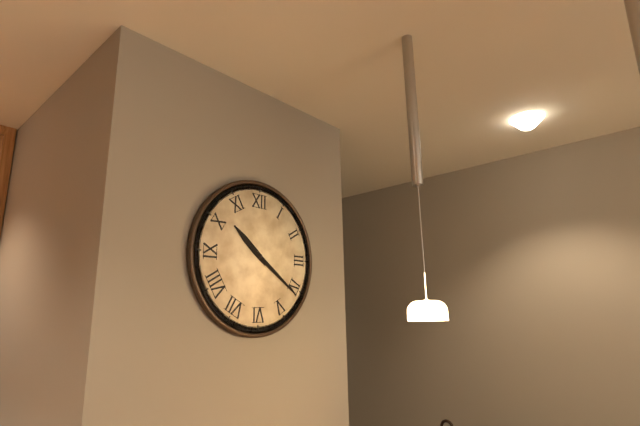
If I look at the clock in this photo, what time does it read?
10:21
